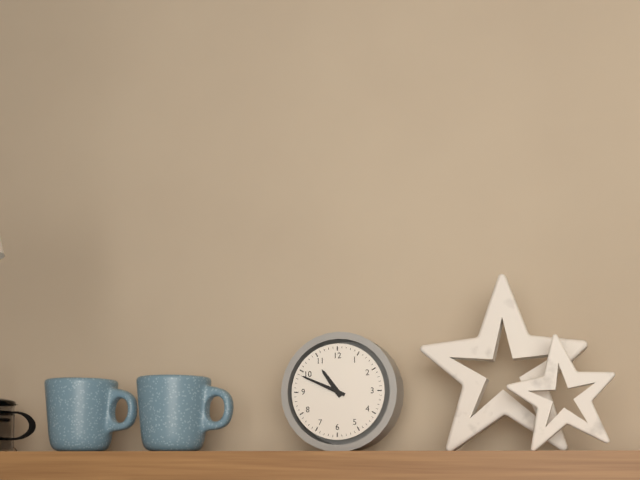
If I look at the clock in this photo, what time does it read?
10:49
